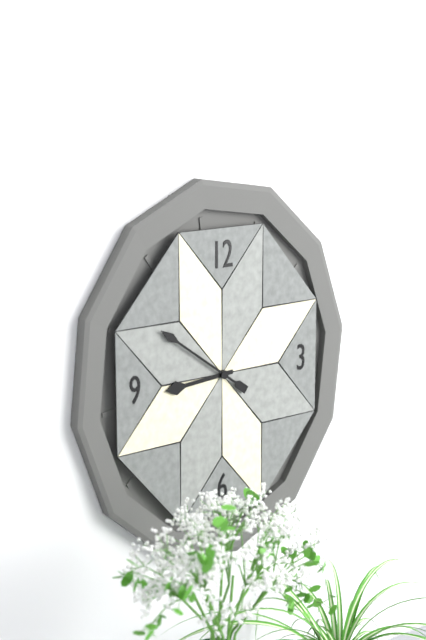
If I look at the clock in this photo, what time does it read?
8:51
